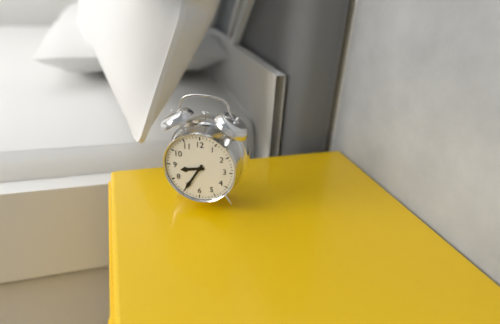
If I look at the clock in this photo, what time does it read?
8:35
